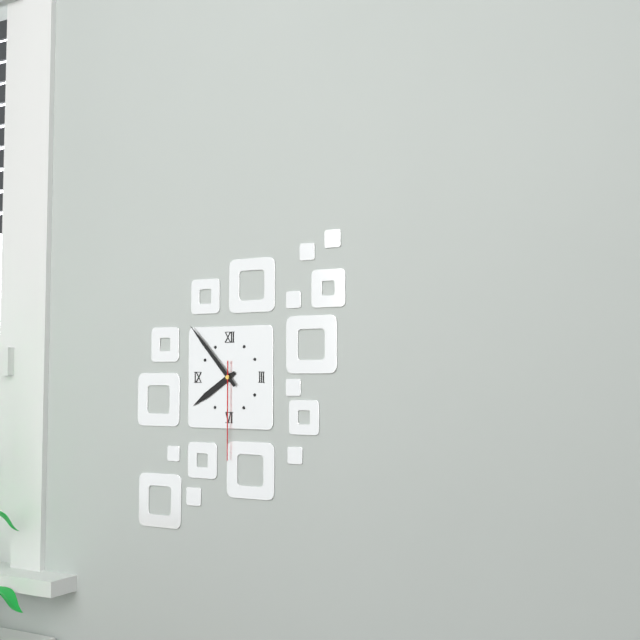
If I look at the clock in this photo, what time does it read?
7:53:30
